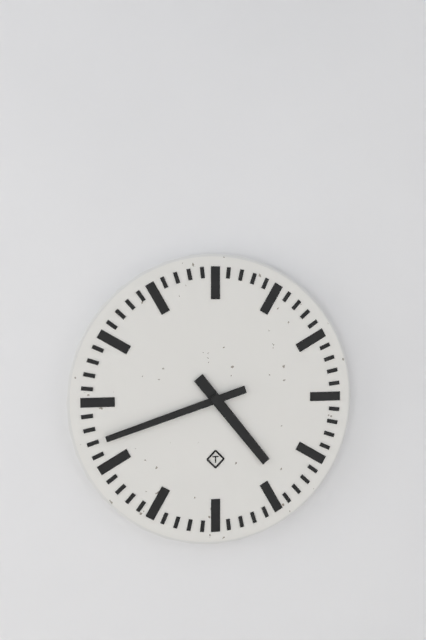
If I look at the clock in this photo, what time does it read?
4:42
